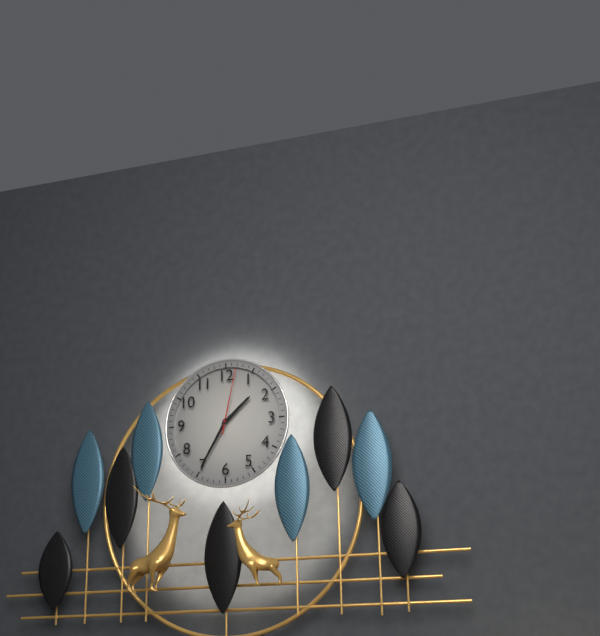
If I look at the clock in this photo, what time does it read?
1:35:02
